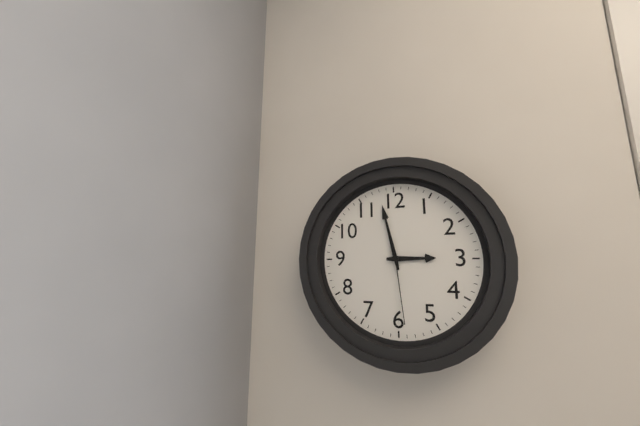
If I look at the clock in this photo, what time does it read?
2:58:29
